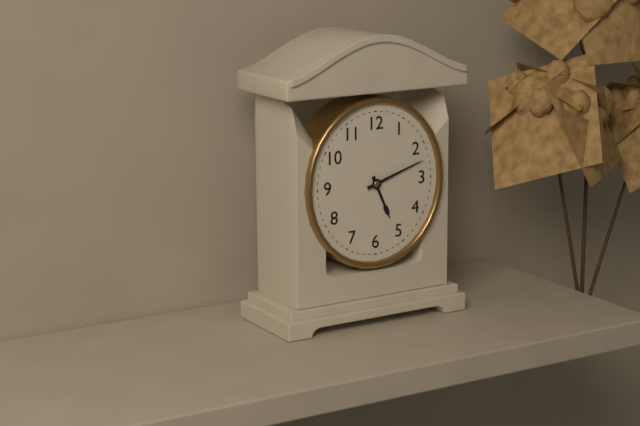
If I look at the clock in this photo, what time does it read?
5:12
